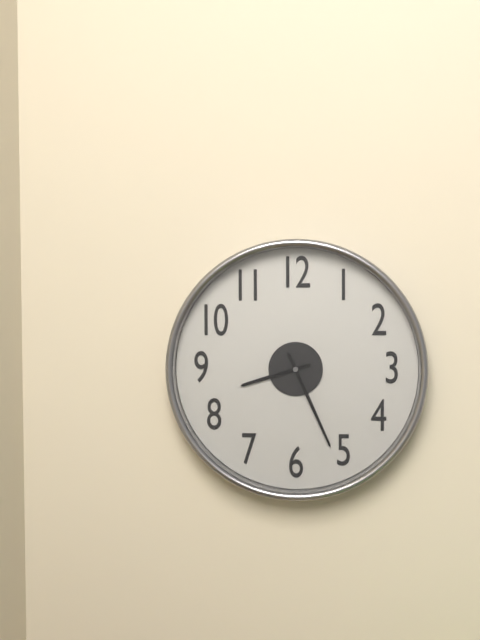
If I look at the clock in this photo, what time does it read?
8:26
